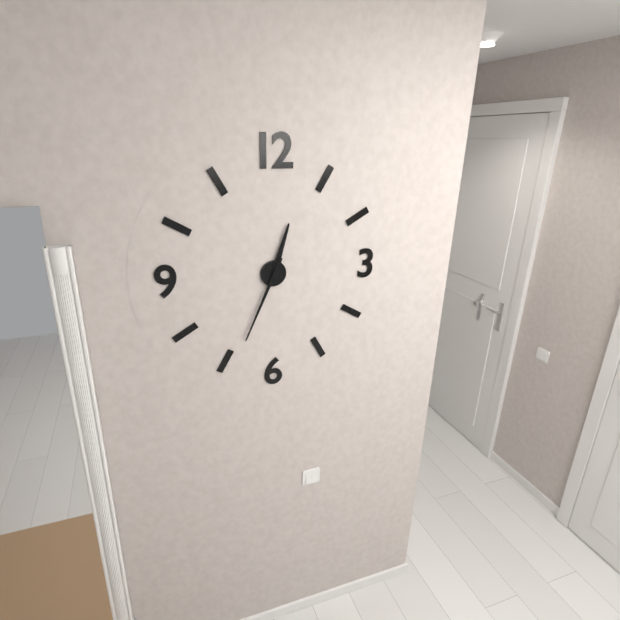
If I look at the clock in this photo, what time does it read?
12:34
